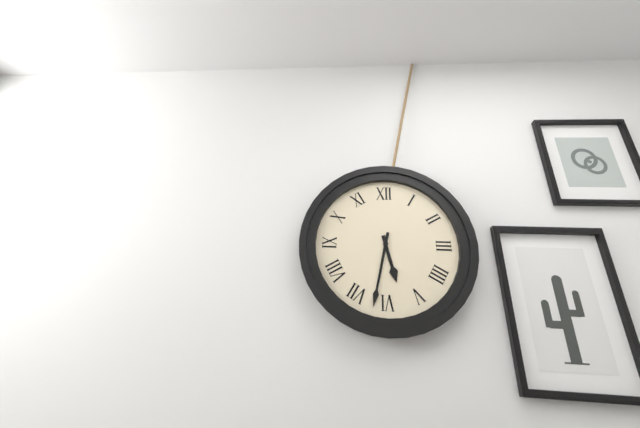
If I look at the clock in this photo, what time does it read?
5:32
